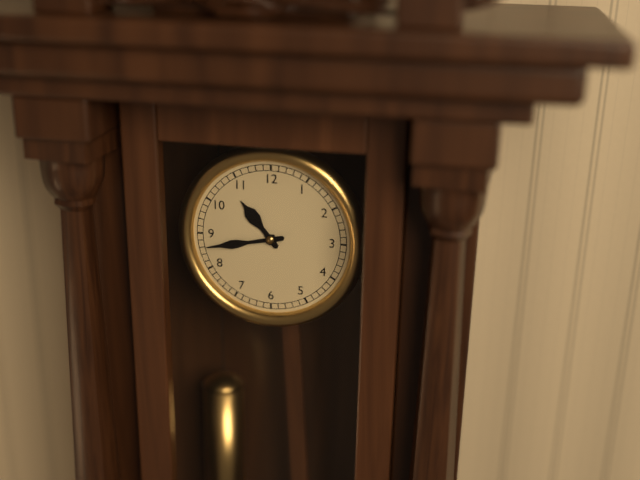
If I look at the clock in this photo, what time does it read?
10:43
